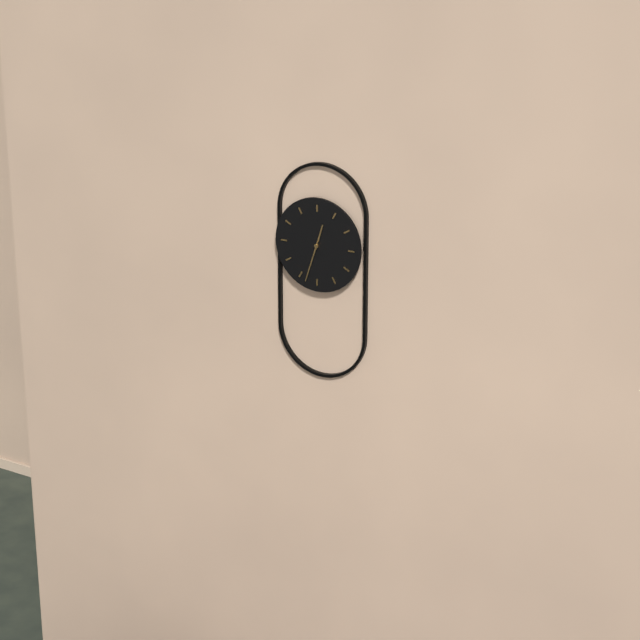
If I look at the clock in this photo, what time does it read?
12:33
